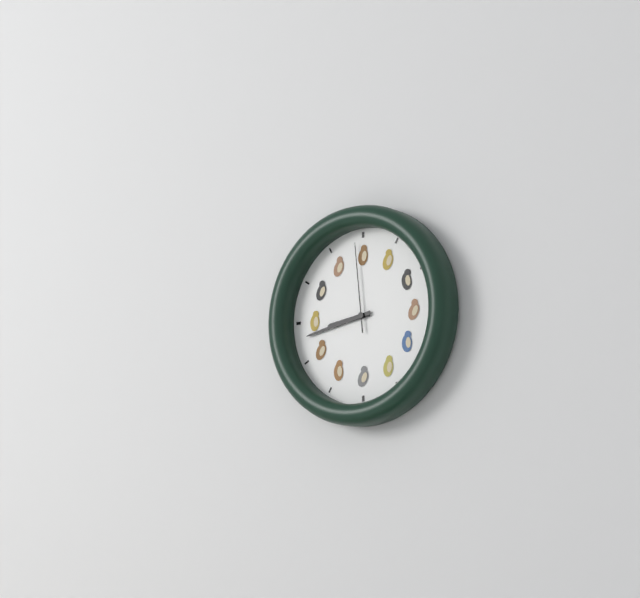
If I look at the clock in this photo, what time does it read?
8:43:59
